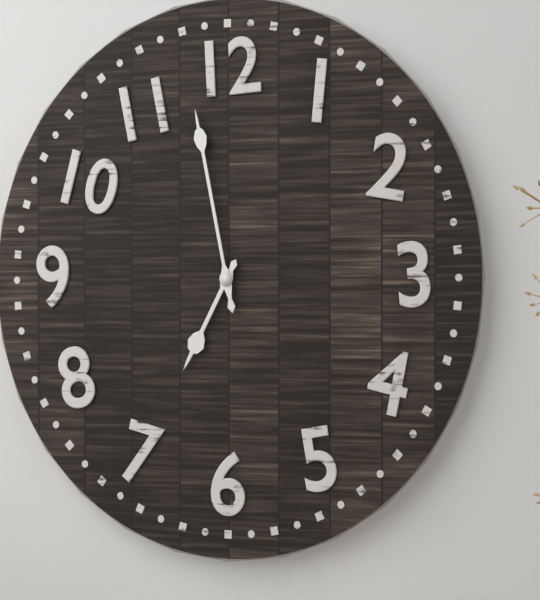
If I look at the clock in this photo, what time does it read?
6:58
